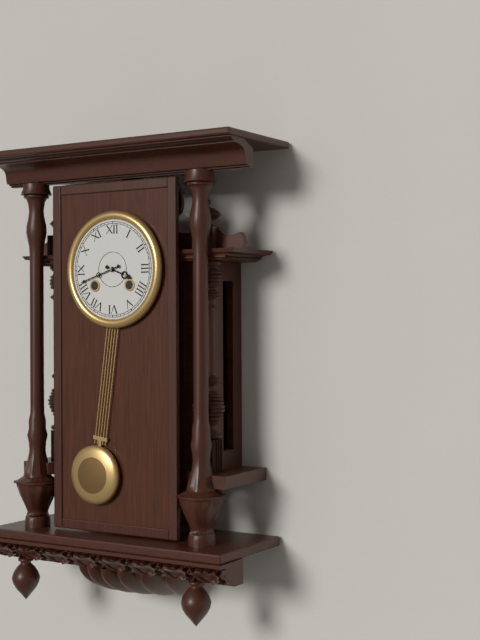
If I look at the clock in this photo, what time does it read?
3:42
